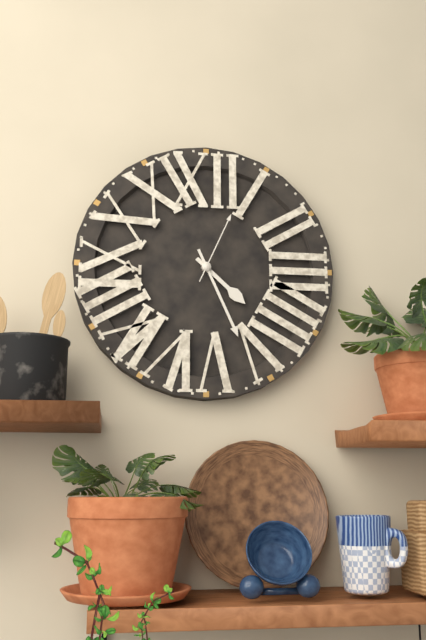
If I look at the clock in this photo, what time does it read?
4:26:04
